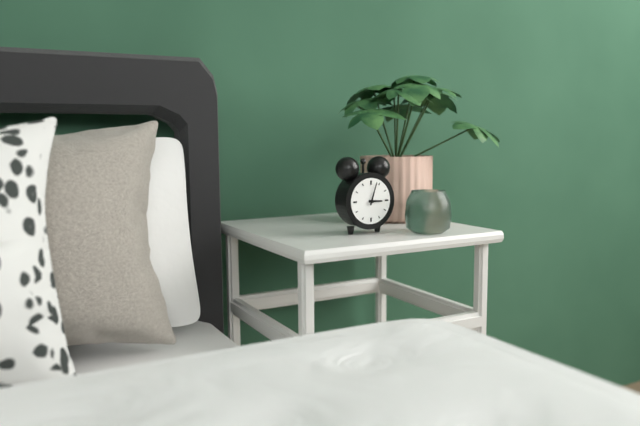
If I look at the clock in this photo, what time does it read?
3:03
